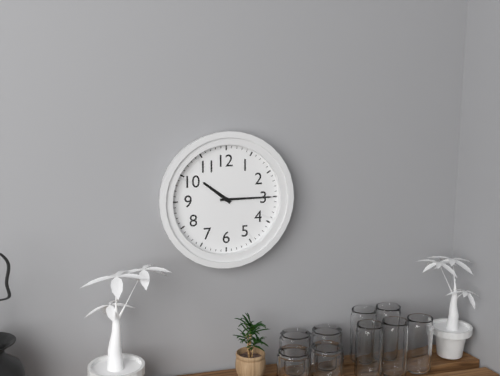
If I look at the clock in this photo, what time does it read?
10:15
